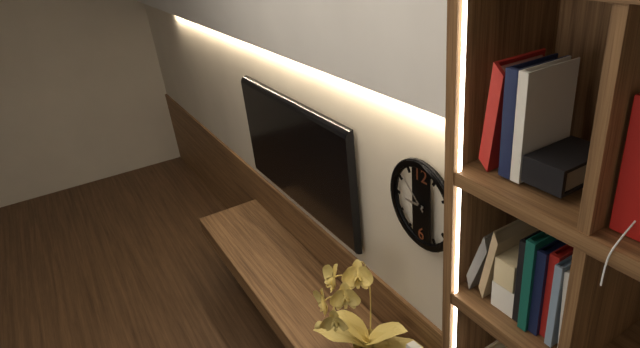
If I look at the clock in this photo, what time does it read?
8:52
